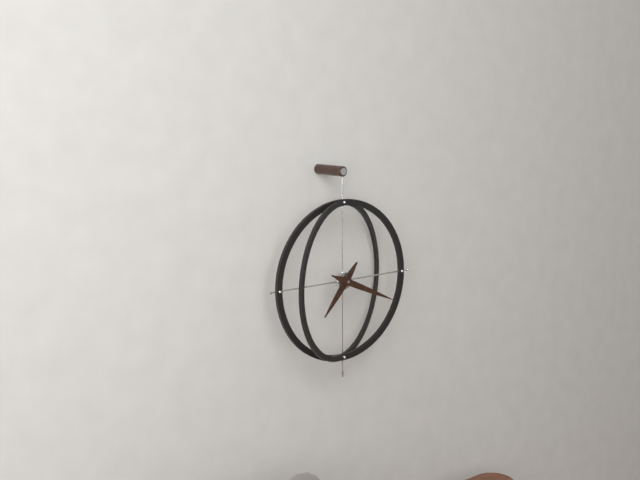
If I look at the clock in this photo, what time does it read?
7:19
